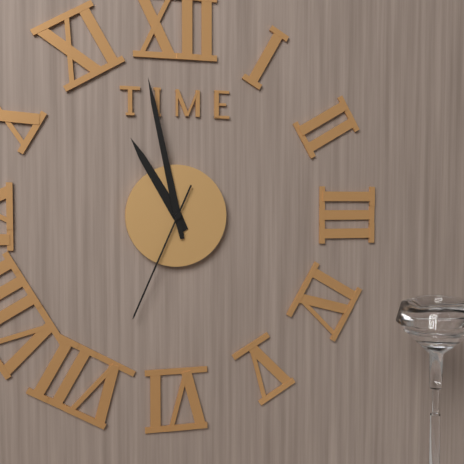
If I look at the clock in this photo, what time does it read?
10:58:34
